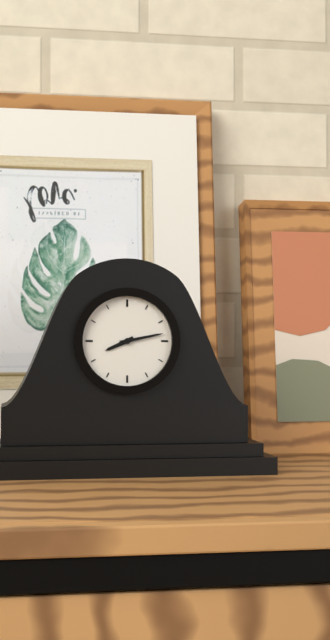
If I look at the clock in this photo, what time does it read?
8:13
